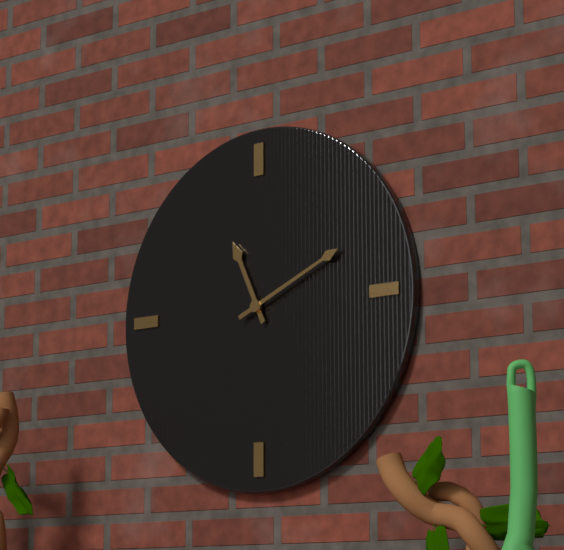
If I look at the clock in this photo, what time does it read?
11:11
